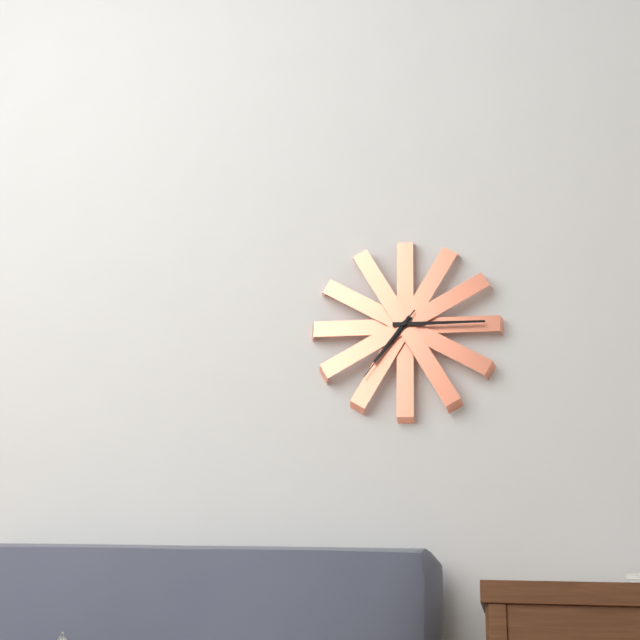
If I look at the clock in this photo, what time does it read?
7:15:36
